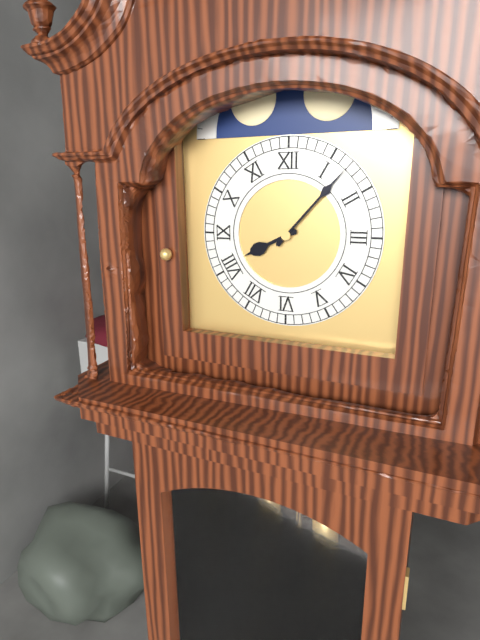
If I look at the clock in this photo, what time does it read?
8:07
